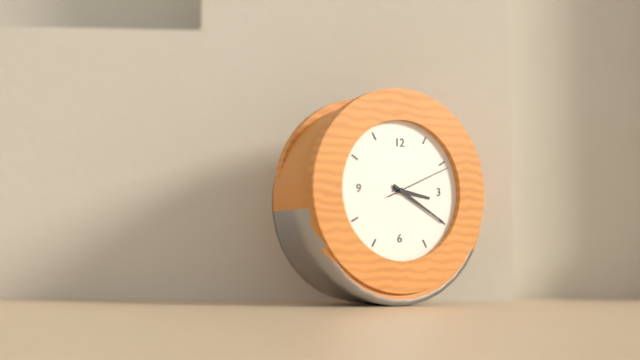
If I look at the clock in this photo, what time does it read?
3:20:11
